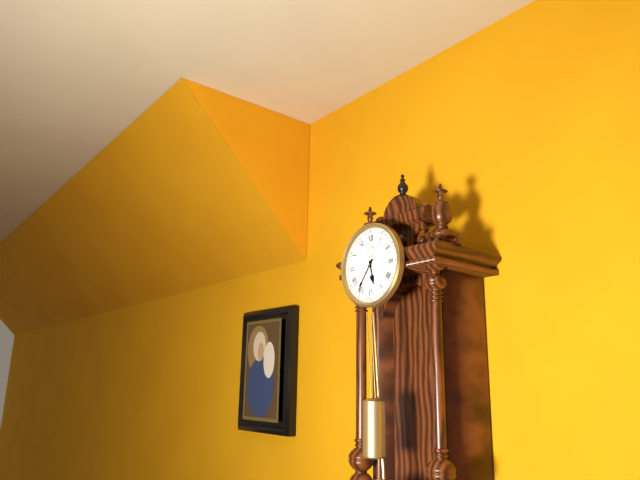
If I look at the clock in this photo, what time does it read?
5:36
